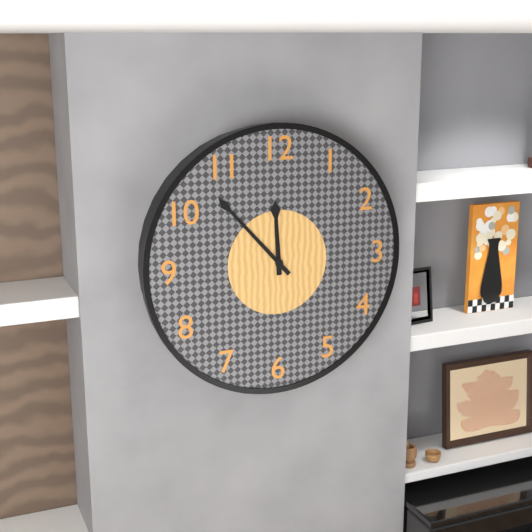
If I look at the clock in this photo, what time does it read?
11:53
